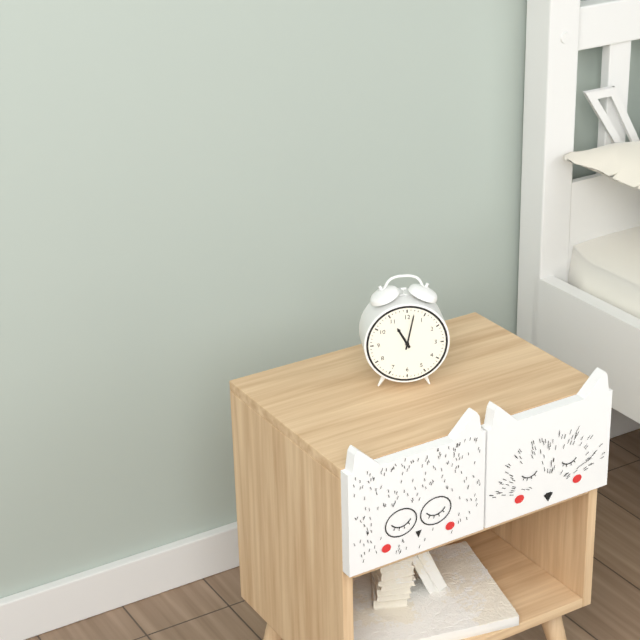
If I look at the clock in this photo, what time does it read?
11:02
